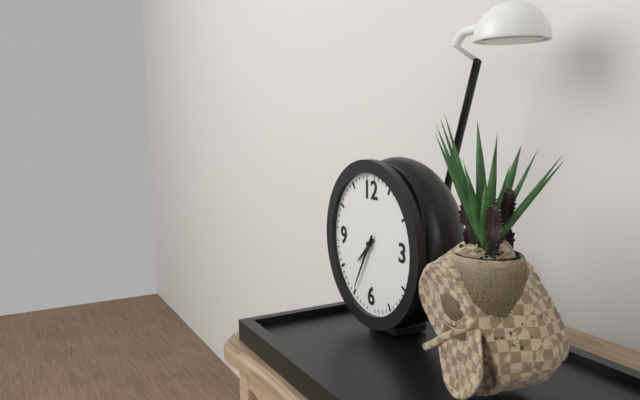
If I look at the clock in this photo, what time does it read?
7:35
